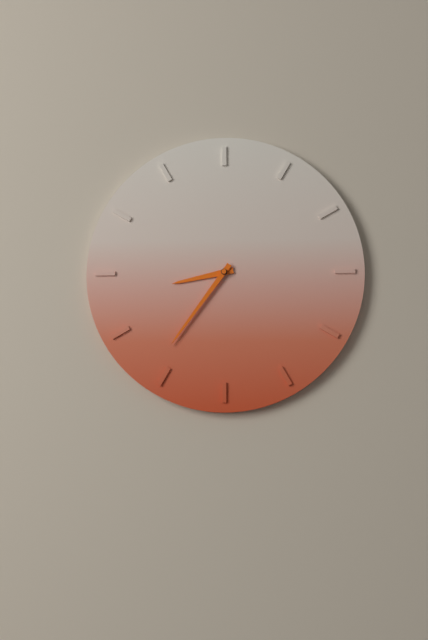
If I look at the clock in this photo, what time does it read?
8:36
